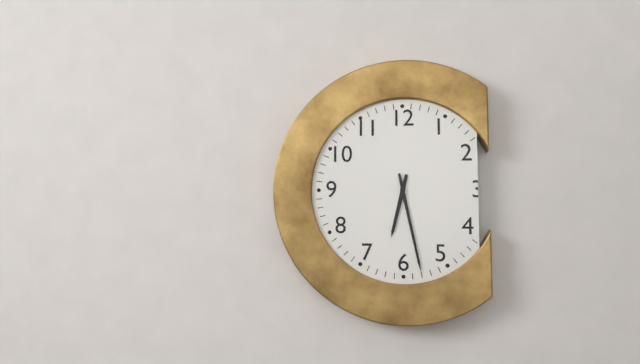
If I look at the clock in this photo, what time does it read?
6:28:32
